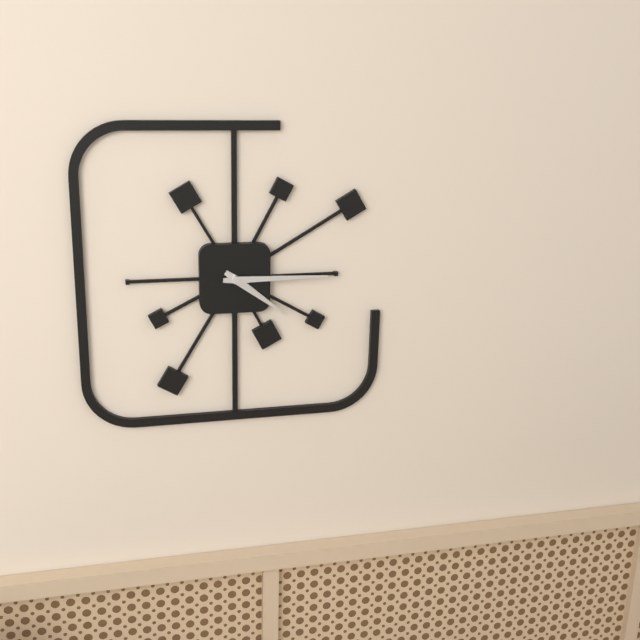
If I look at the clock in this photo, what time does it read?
4:15
